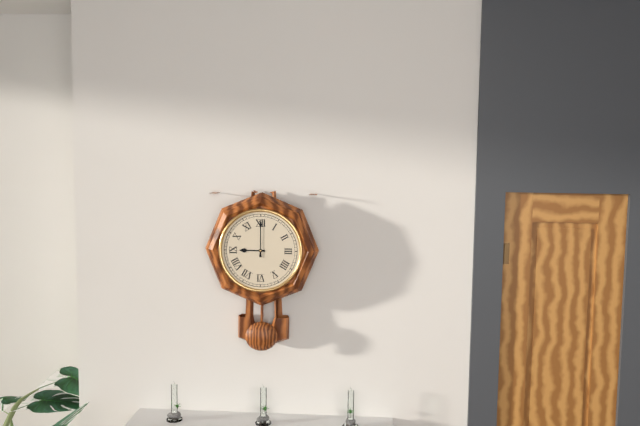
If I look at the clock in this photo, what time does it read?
9:00
